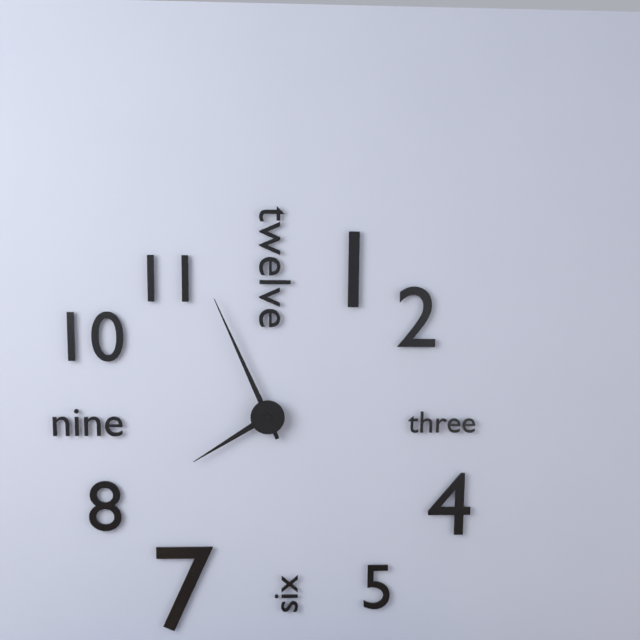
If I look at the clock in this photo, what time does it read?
7:56
